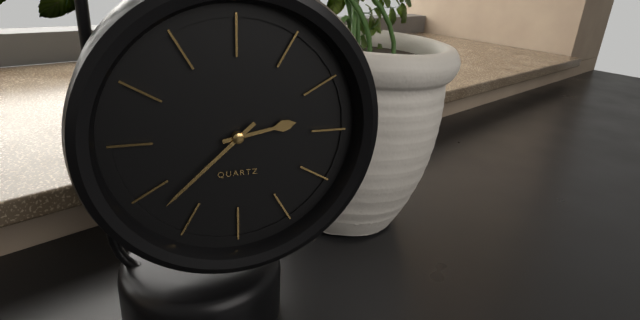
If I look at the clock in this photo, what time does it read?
2:38
